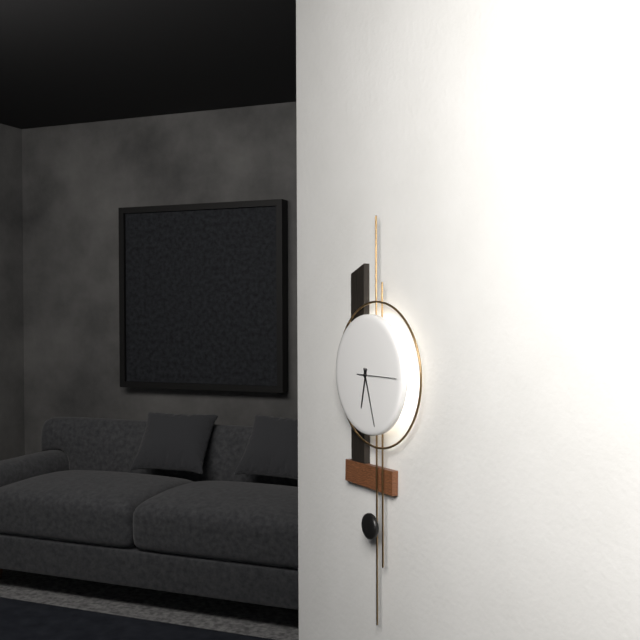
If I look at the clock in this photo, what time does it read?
6:27
